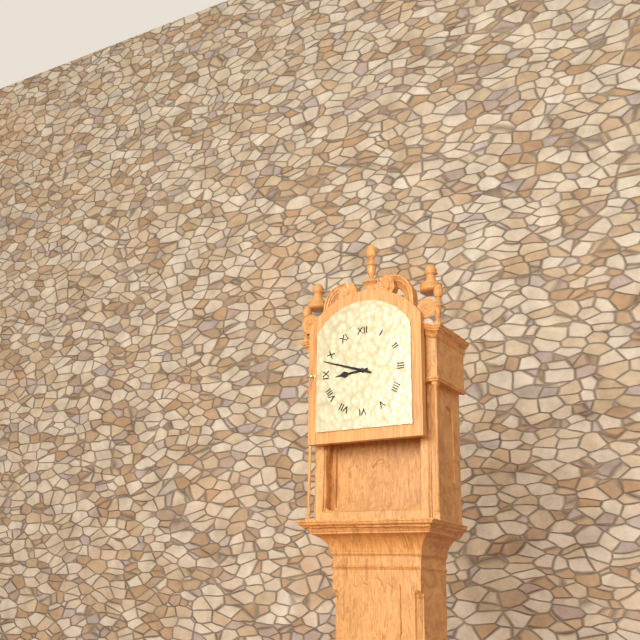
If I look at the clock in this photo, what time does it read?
8:48
